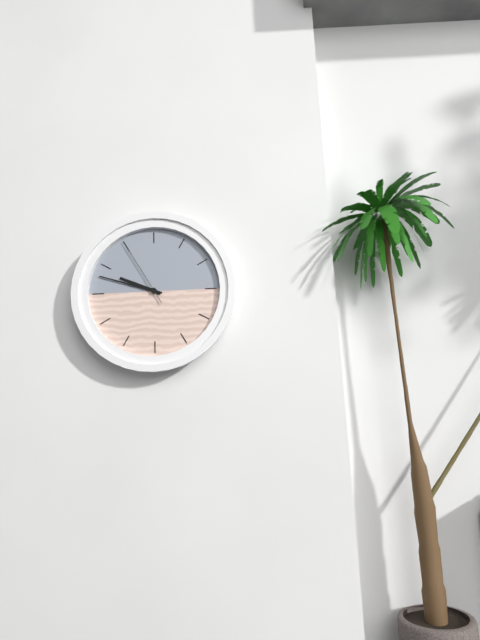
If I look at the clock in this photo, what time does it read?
9:48:55
